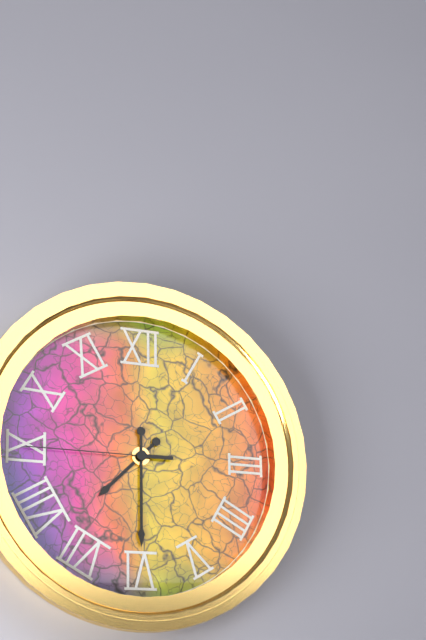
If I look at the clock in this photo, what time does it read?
7:30:45
